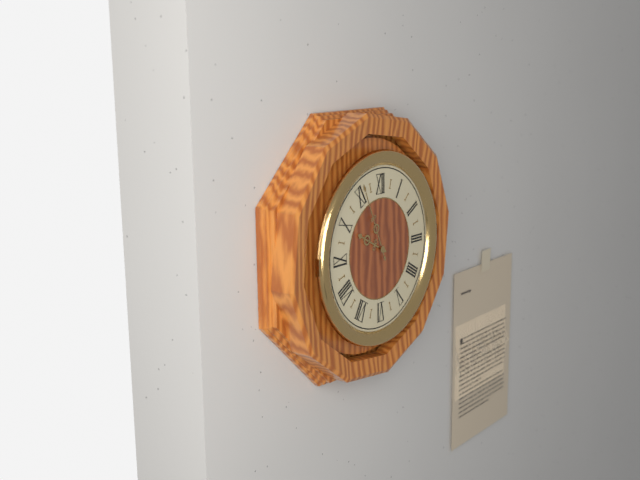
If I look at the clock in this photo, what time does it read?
9:56
